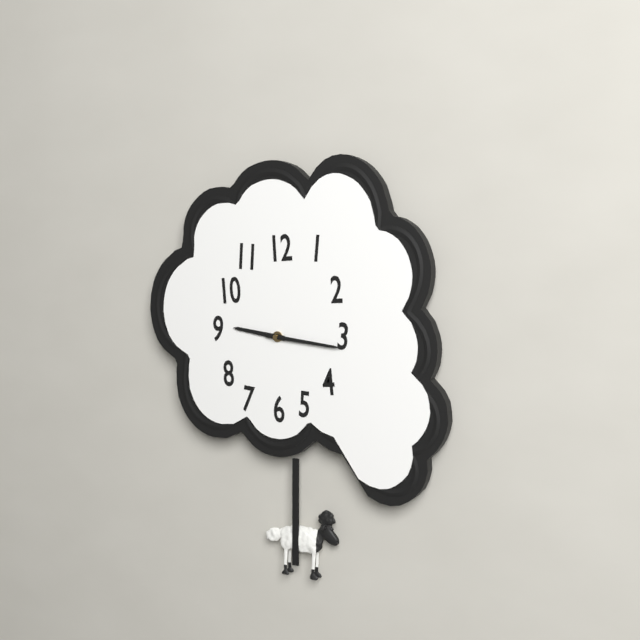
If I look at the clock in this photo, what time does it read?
9:16
